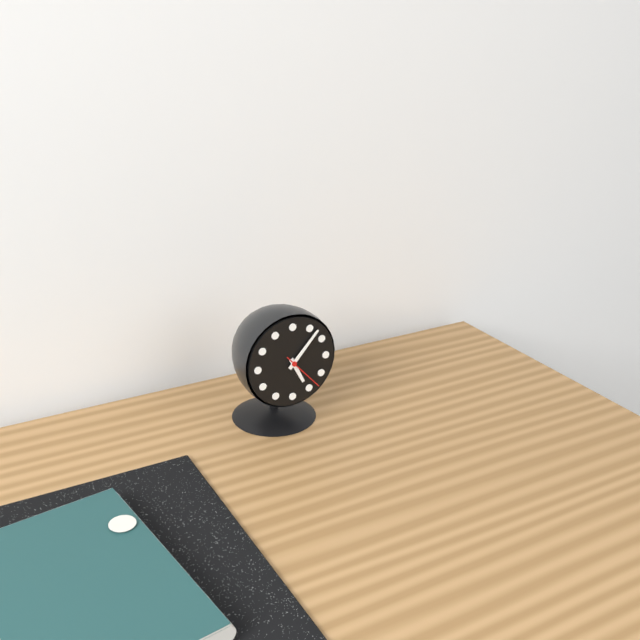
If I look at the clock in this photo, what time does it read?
5:07
